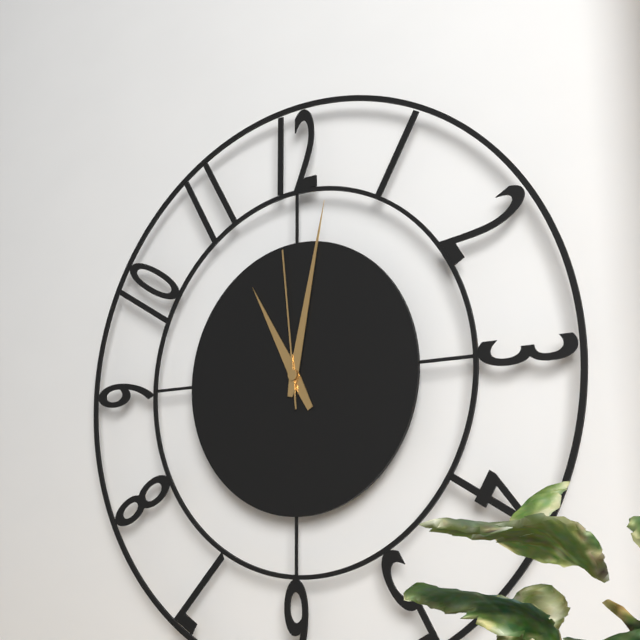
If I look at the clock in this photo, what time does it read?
11:02:59
